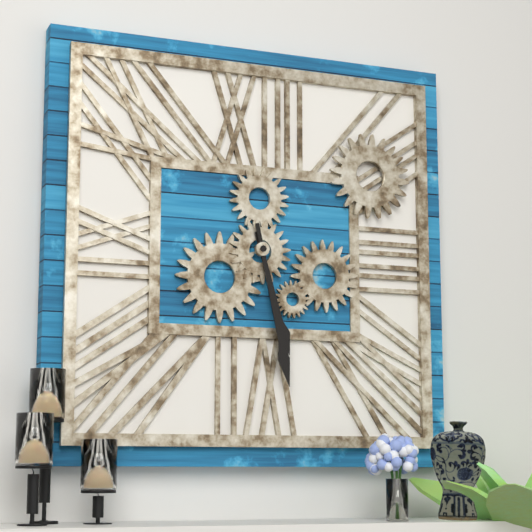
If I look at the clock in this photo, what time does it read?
5:28
